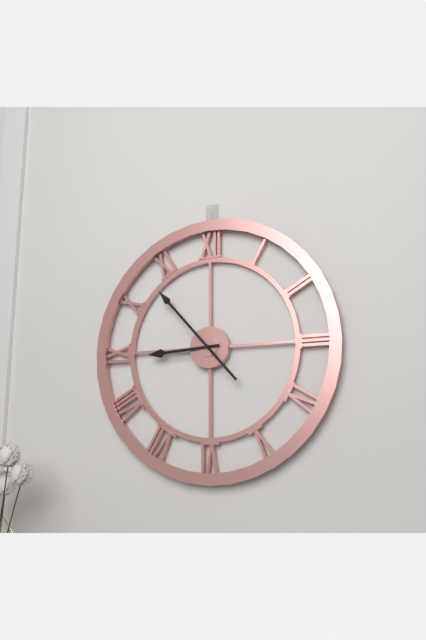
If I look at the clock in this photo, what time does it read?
8:53
